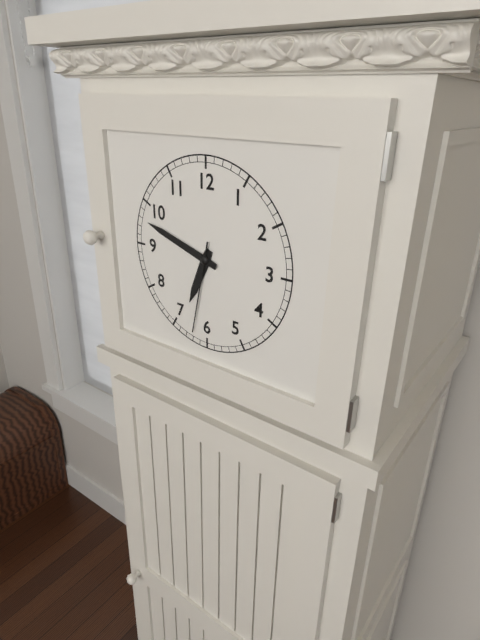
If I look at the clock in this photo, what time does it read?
6:48:32
